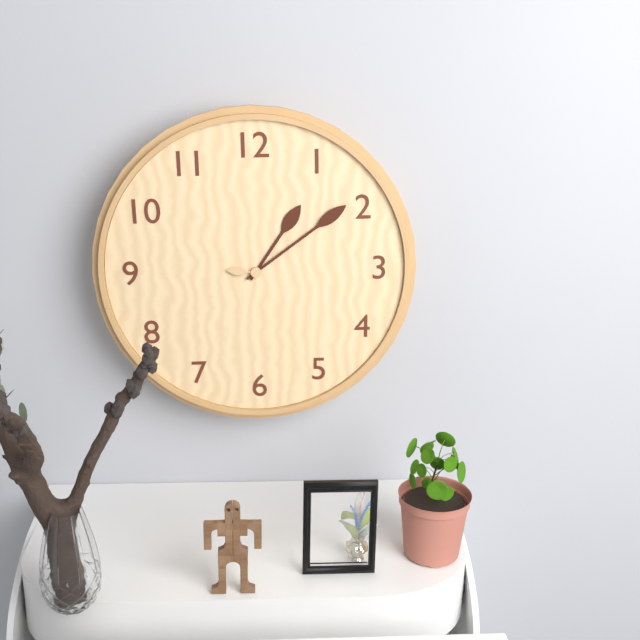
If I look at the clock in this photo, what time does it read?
1:09
